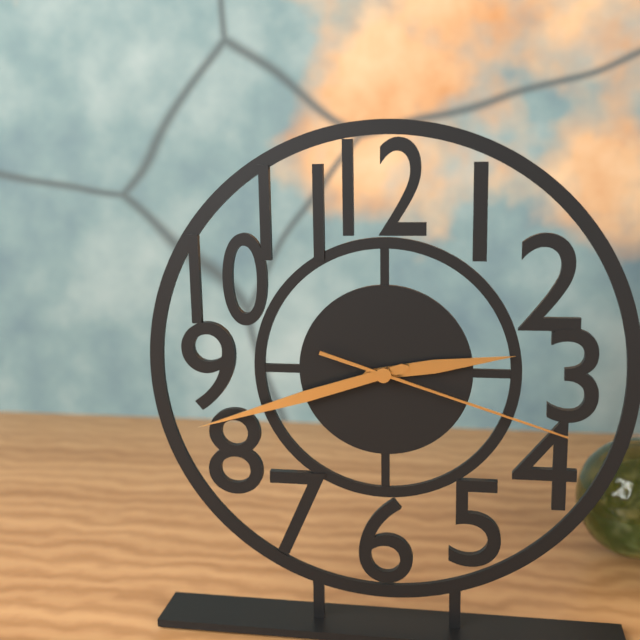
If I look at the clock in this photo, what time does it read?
2:42:18
